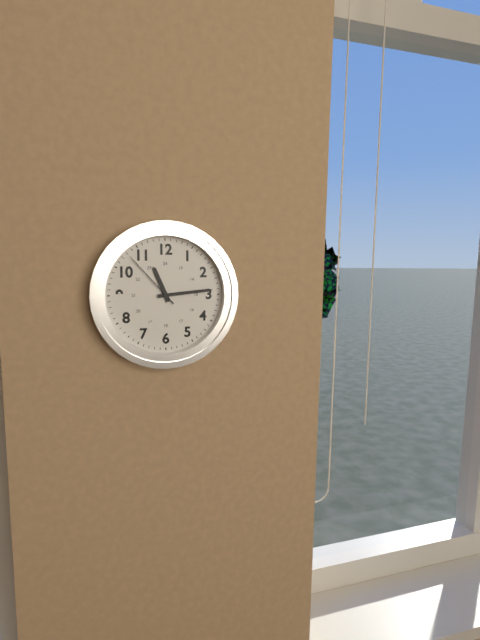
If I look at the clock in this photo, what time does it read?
11:14:53
